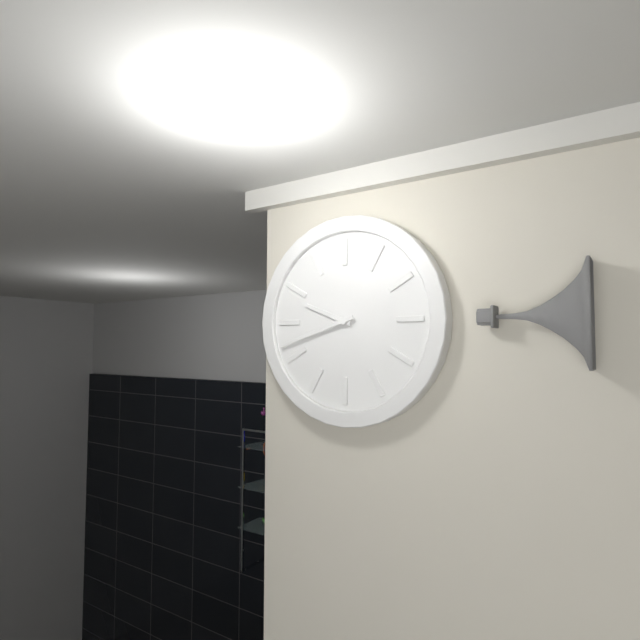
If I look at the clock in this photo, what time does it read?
9:42
